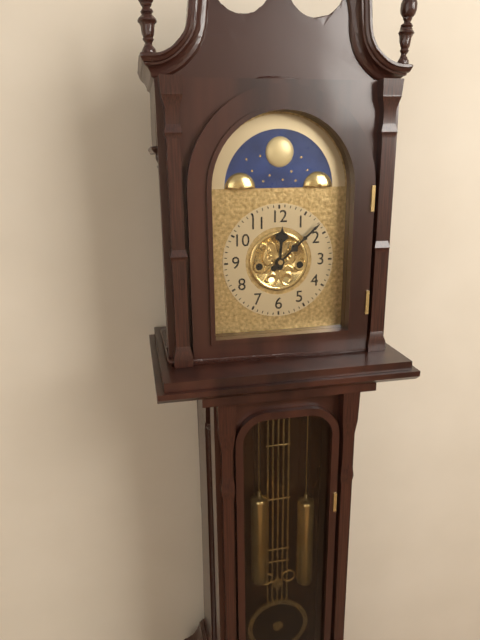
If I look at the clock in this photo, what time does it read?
12:08
